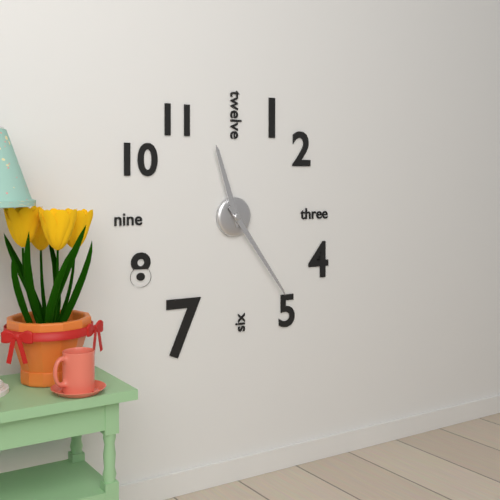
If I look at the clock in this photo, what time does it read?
11:24
